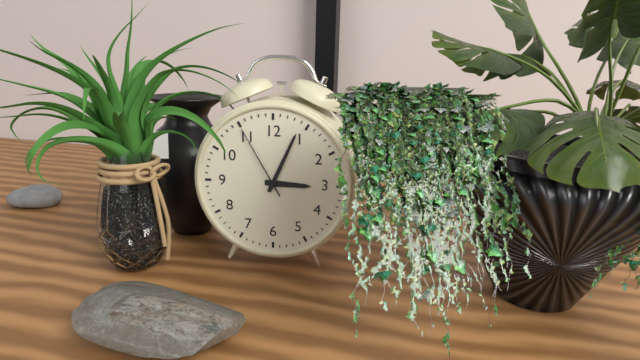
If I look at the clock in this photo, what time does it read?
3:04:55
